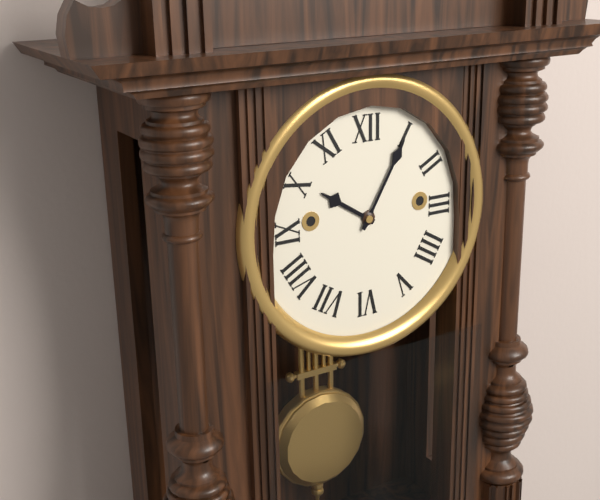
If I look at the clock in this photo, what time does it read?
10:05
